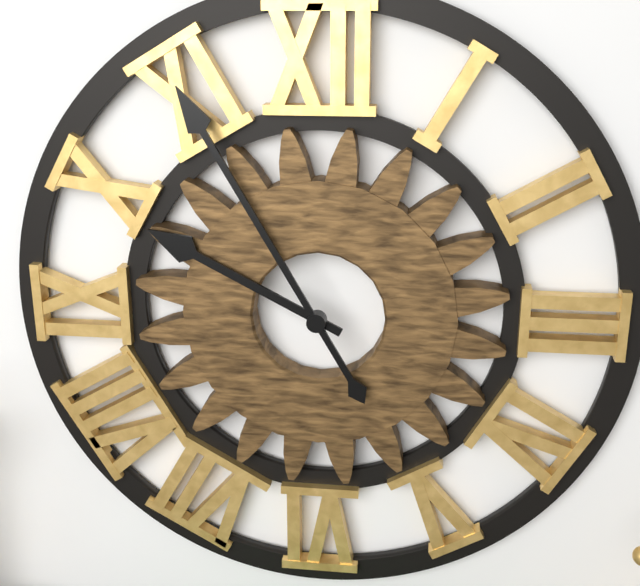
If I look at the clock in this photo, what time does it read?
9:55
